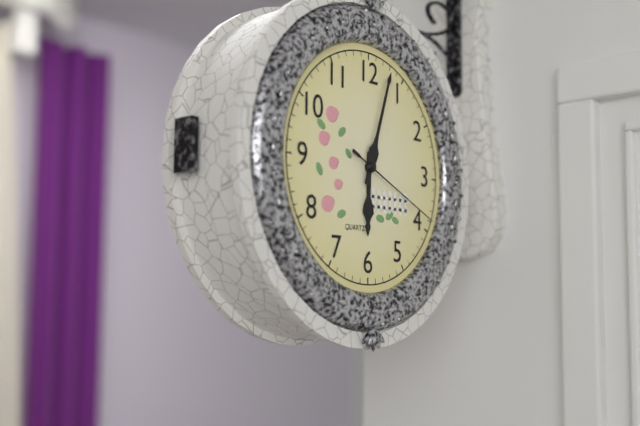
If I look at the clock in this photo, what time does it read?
6:03:19
